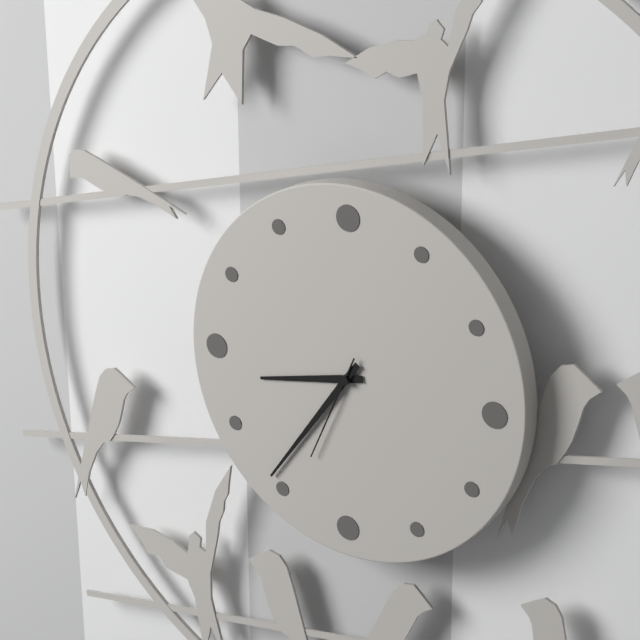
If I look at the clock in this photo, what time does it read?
8:36:34
